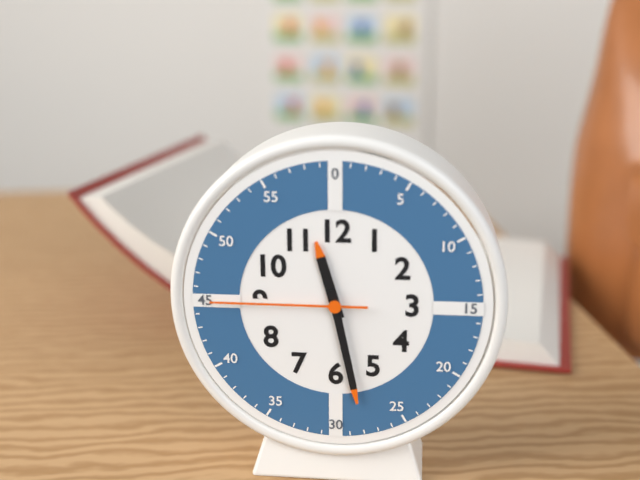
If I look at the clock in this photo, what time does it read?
11:28:45
